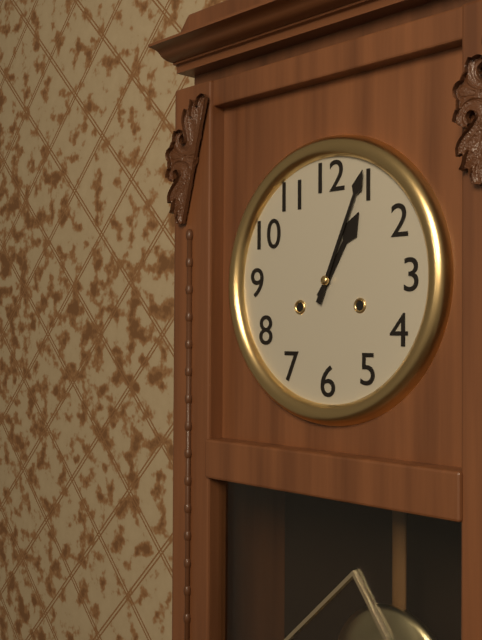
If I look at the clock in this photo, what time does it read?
1:04
